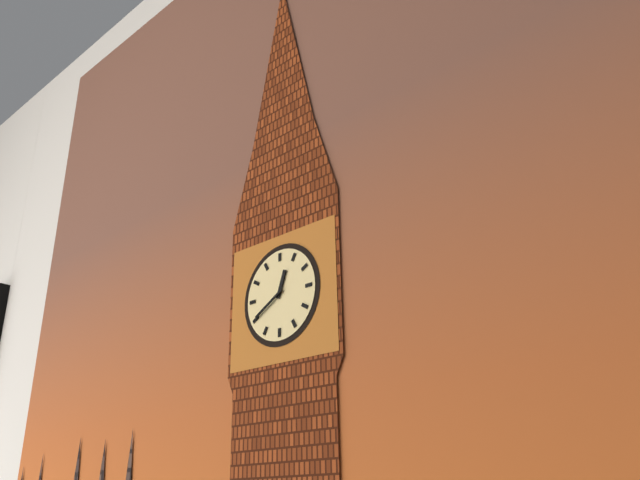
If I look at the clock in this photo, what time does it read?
12:40
